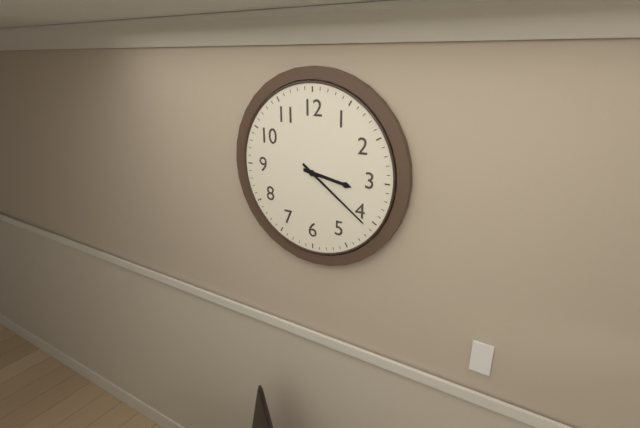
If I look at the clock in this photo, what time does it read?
3:21
